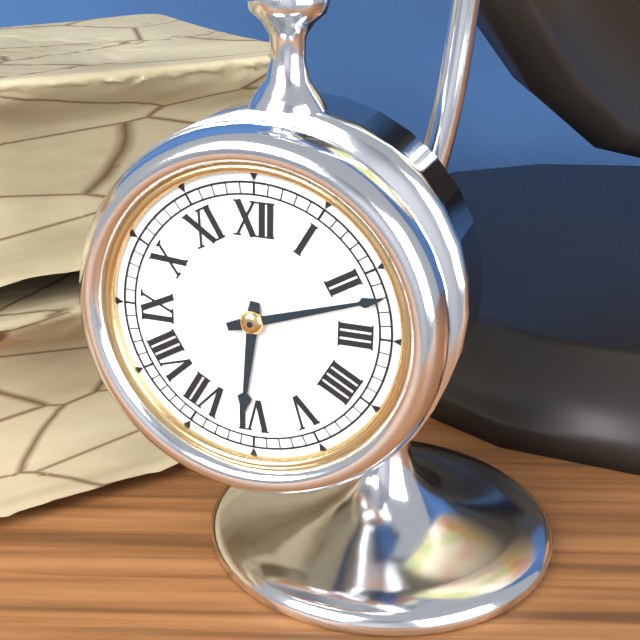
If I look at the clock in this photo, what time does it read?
6:12
